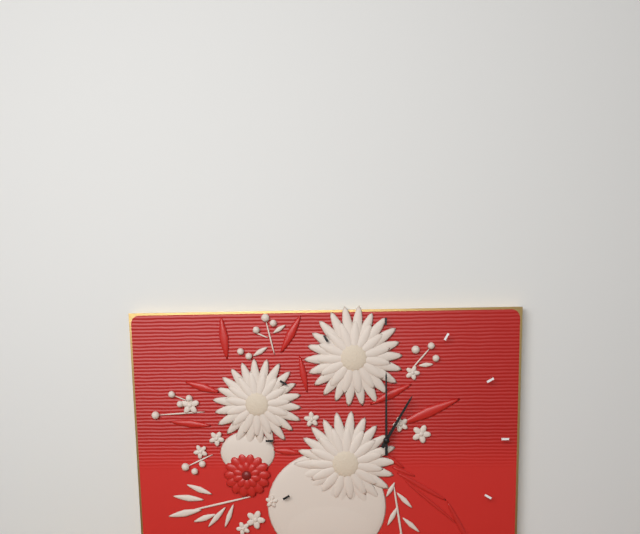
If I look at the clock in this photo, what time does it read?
1:00
